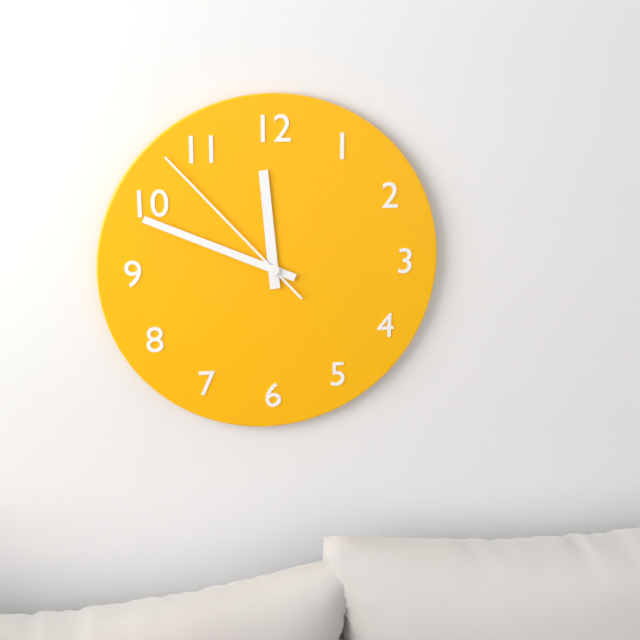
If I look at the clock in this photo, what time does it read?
11:49:53
